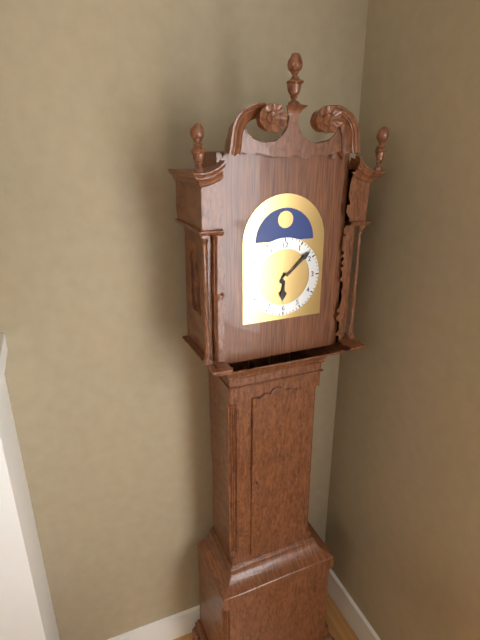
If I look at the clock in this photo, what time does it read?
6:08
